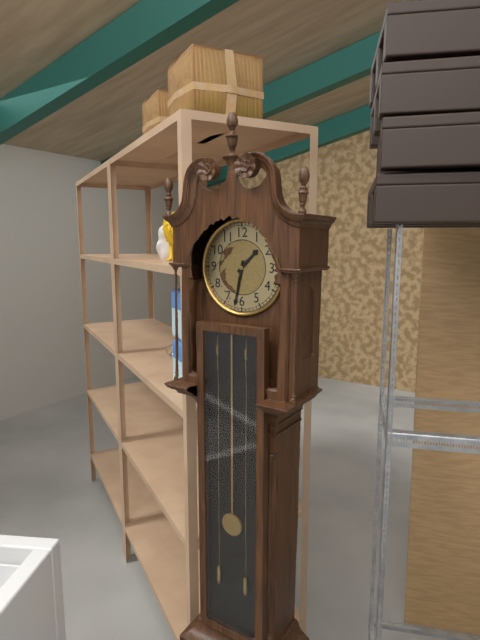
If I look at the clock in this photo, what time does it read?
1:32
